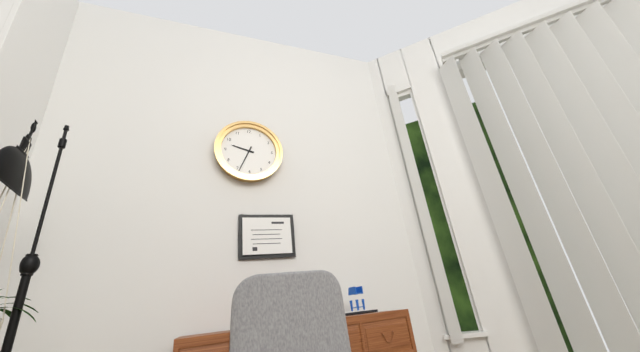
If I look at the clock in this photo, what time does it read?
9:34
